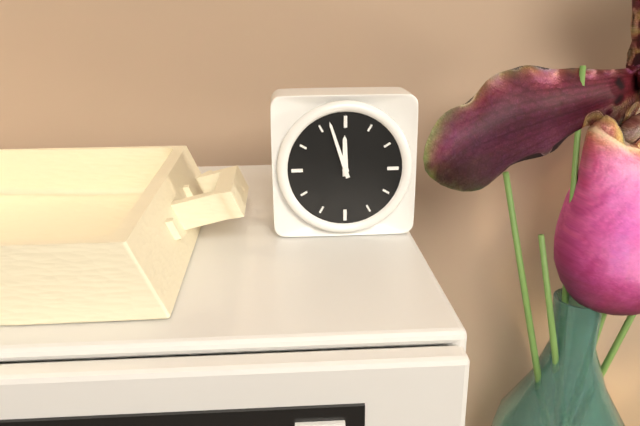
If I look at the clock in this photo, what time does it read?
11:57
